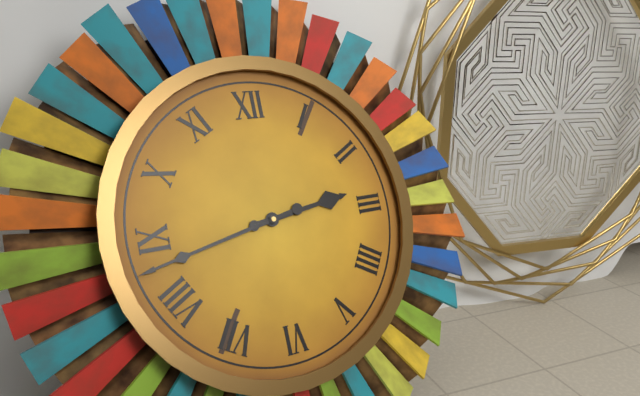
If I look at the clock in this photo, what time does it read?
2:43
